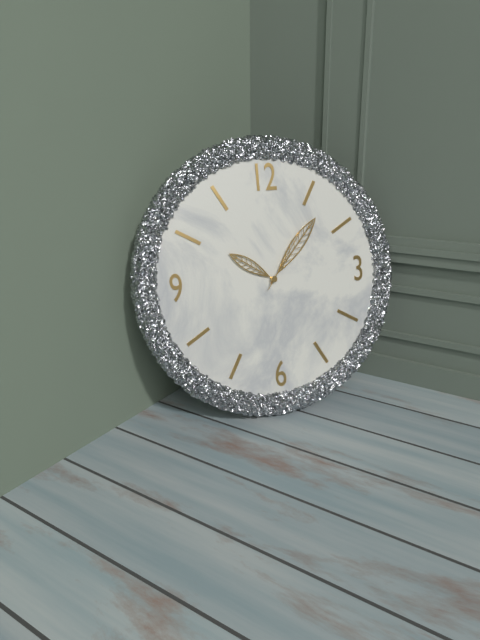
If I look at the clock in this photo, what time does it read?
10:07:06
